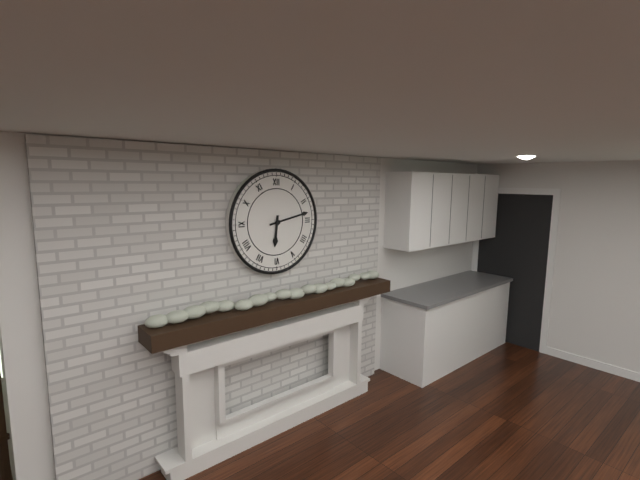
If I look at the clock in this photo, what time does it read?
6:13
